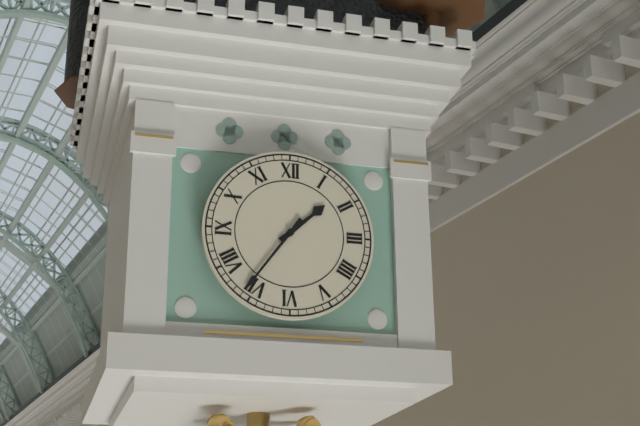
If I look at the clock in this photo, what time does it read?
1:36
